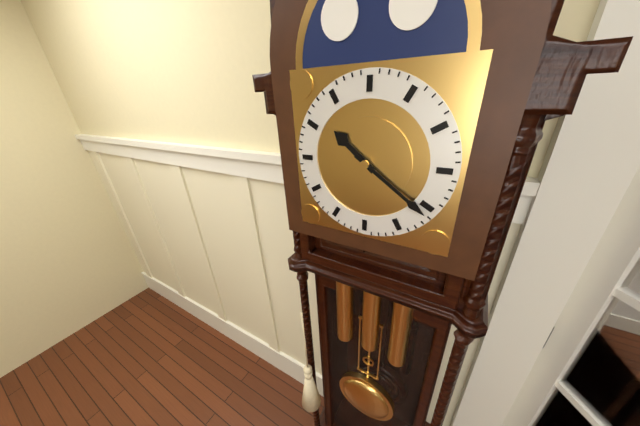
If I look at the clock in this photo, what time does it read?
10:21
